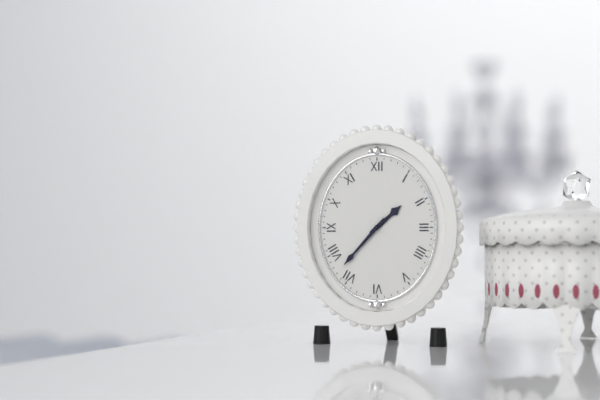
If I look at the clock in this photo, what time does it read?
1:37
